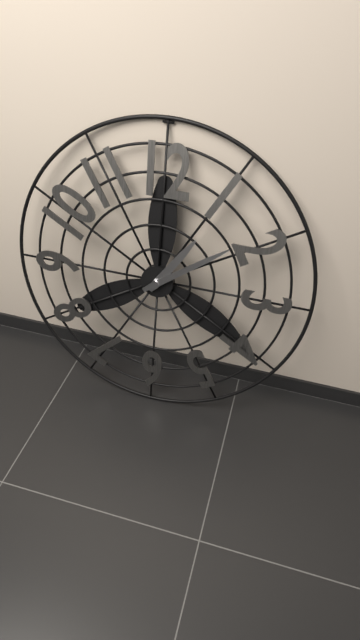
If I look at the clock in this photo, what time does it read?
1:09
